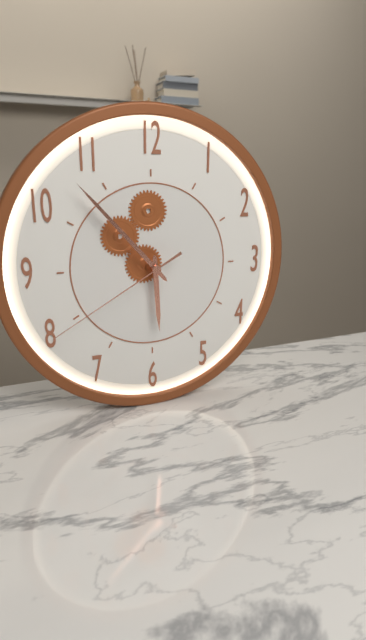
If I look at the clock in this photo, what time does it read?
5:53:40
